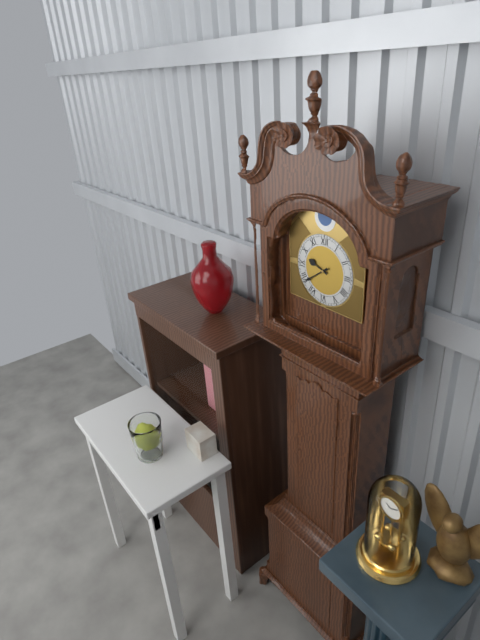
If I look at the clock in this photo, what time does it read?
9:39
